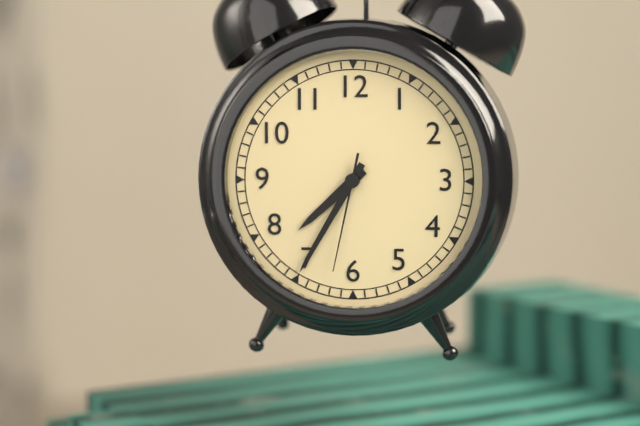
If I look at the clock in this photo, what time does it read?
7:35:32
